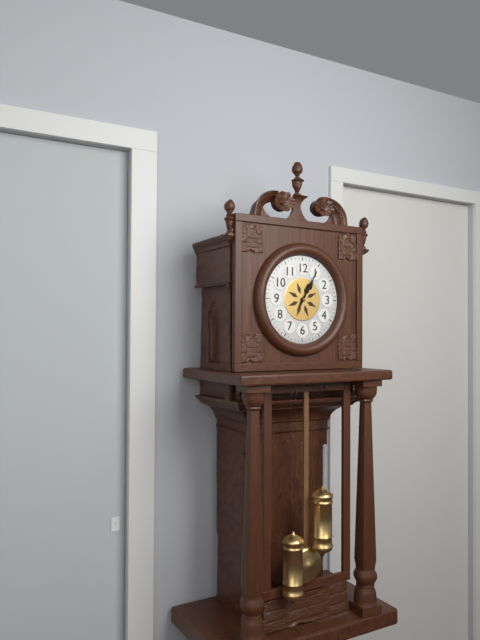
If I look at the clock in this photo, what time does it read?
1:05
